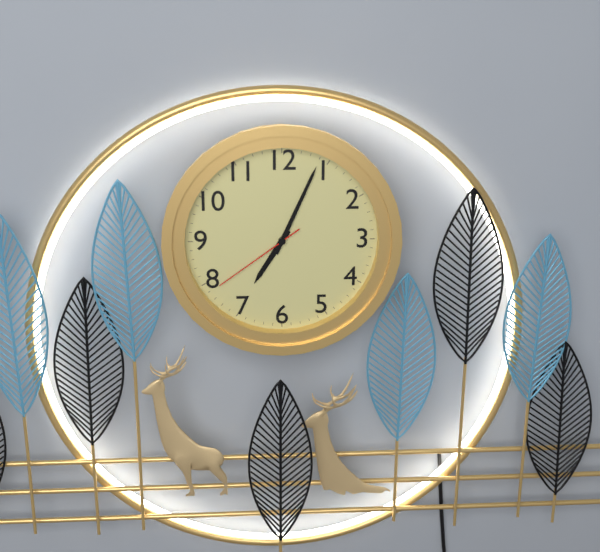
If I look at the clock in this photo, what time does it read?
7:04:39
